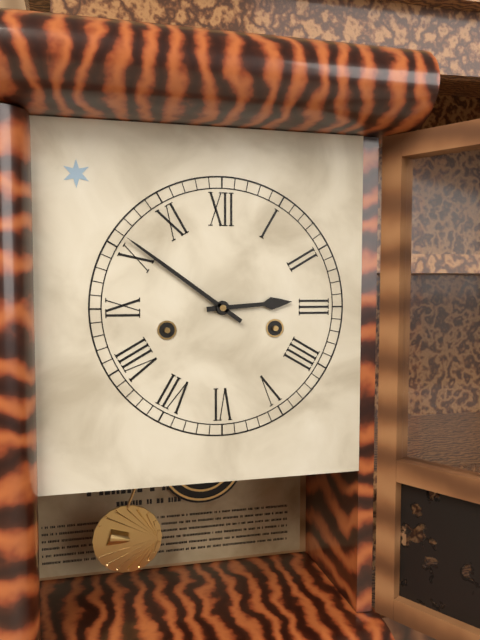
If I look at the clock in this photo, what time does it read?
2:51
